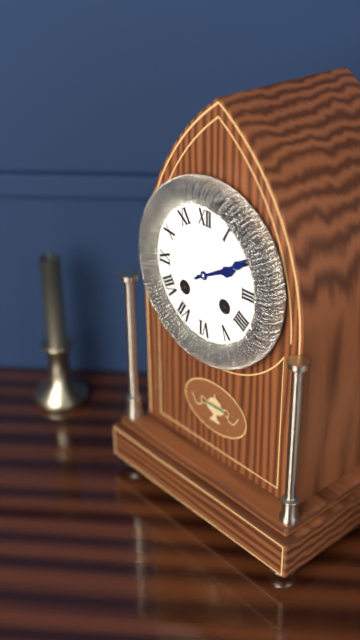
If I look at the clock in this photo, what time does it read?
2:10
